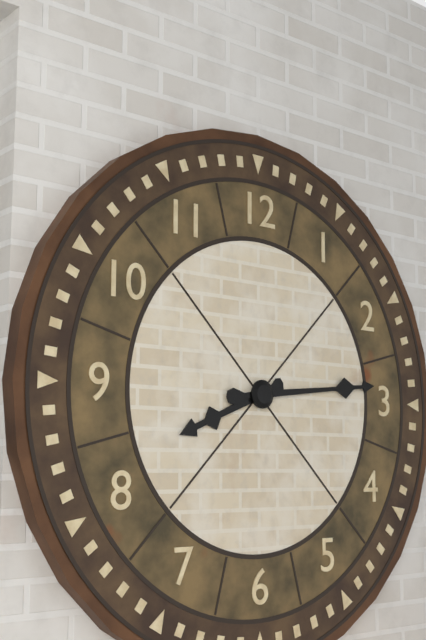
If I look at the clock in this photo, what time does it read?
8:14
